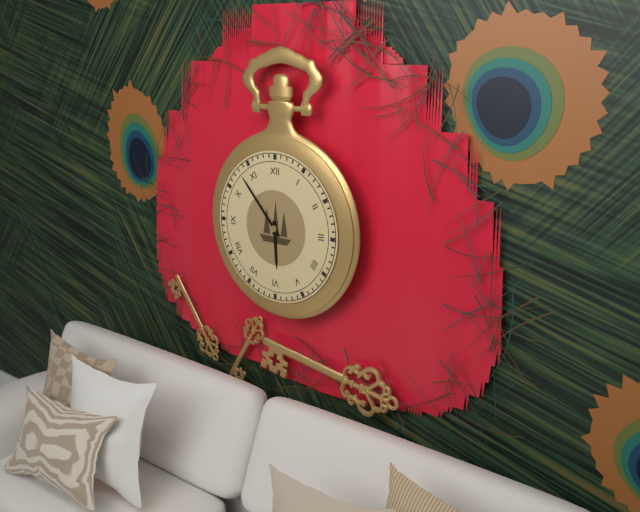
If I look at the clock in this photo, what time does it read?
5:53
